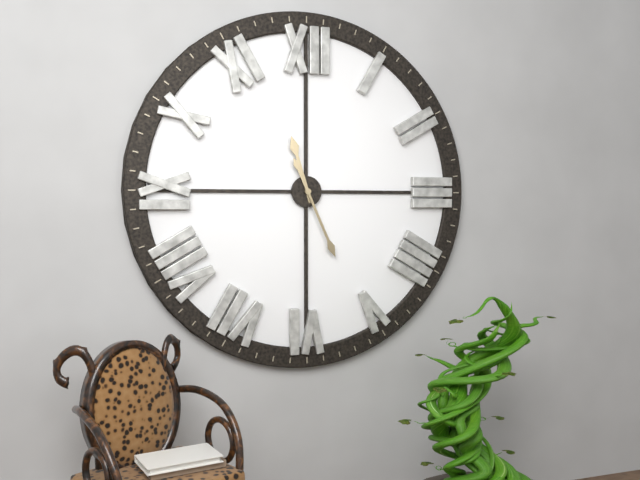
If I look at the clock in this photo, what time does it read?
11:26
